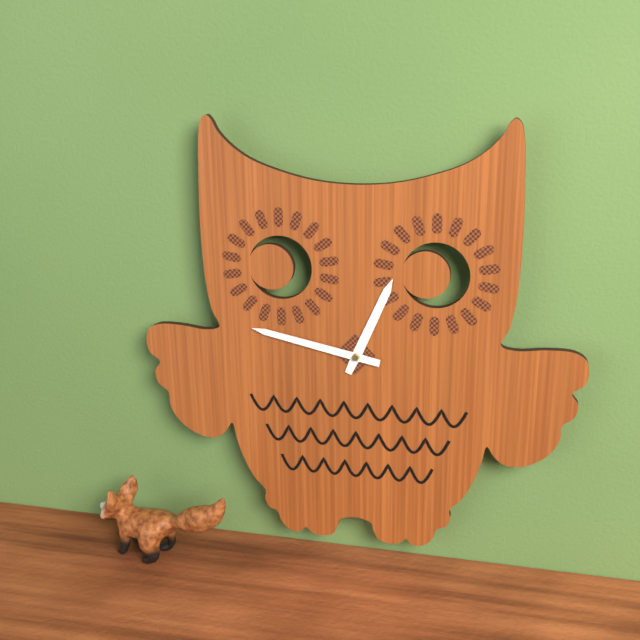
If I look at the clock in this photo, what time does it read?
12:47
